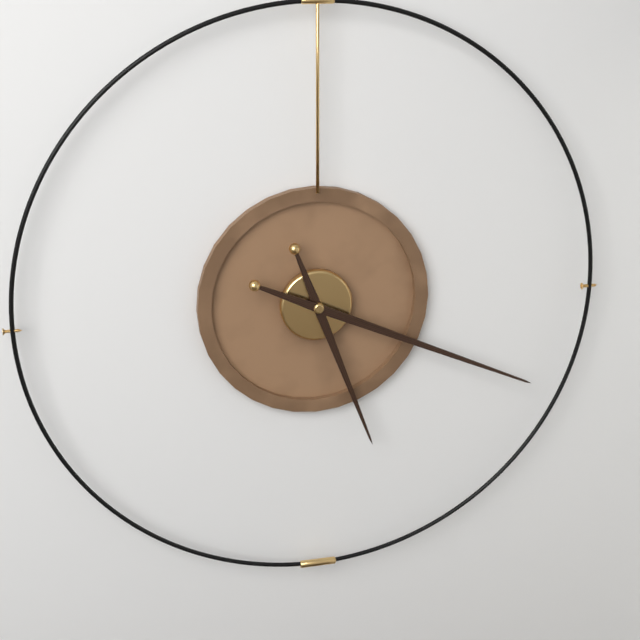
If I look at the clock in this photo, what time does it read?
5:19
